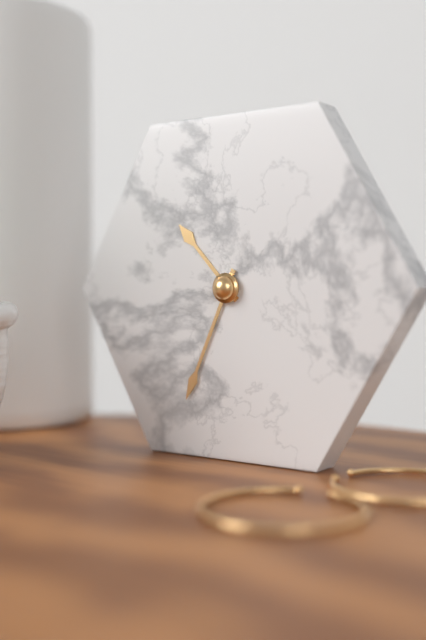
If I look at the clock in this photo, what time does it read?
10:34
